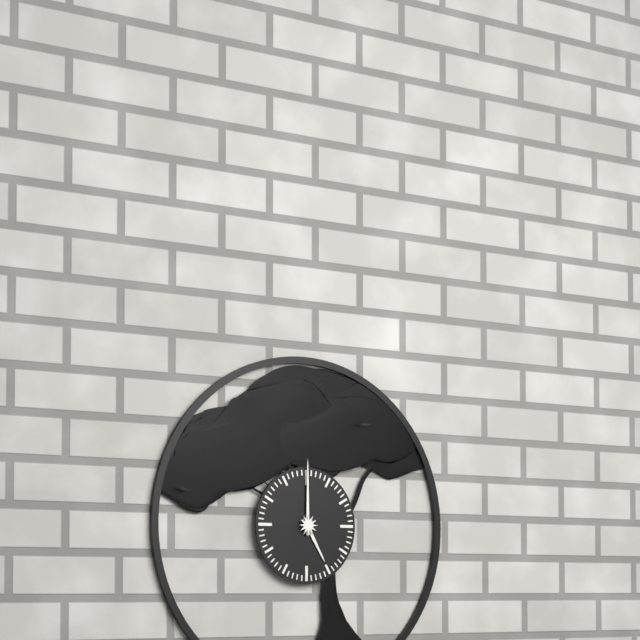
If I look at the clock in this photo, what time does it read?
5:00
